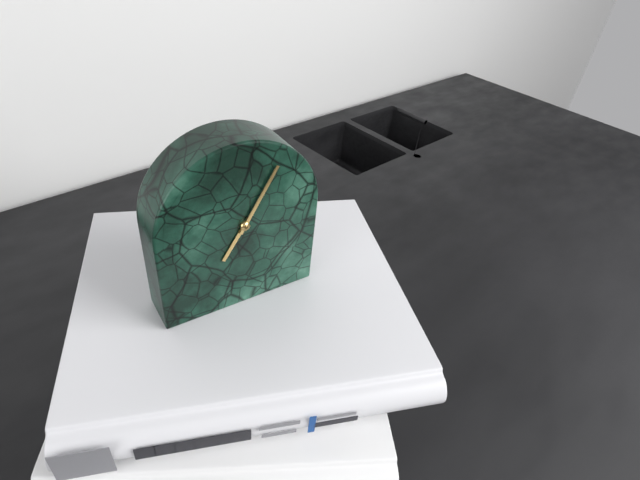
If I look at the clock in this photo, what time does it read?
7:05
